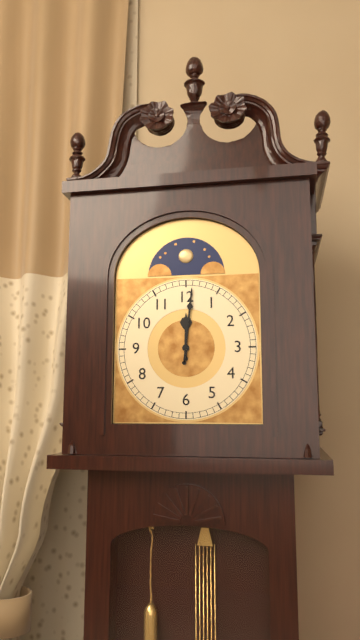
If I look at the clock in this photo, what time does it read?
12:01
